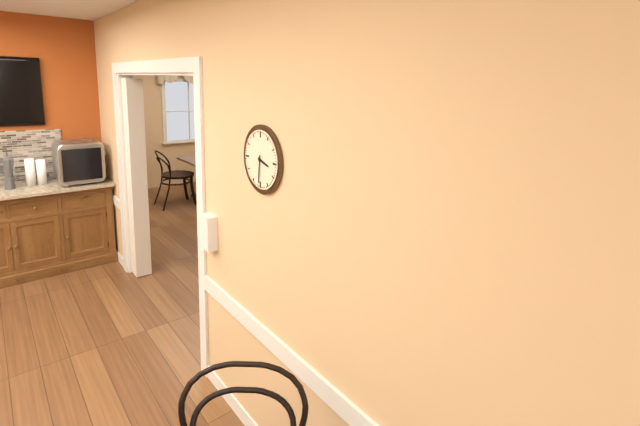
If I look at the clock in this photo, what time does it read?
3:31
